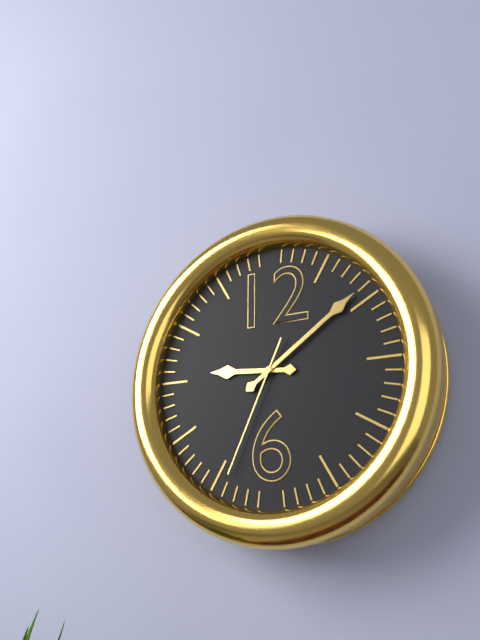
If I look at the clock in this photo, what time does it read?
9:09:34
